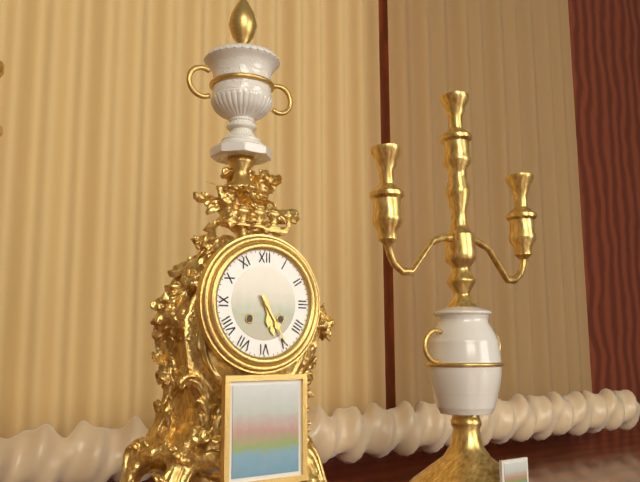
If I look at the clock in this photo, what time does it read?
5:25
